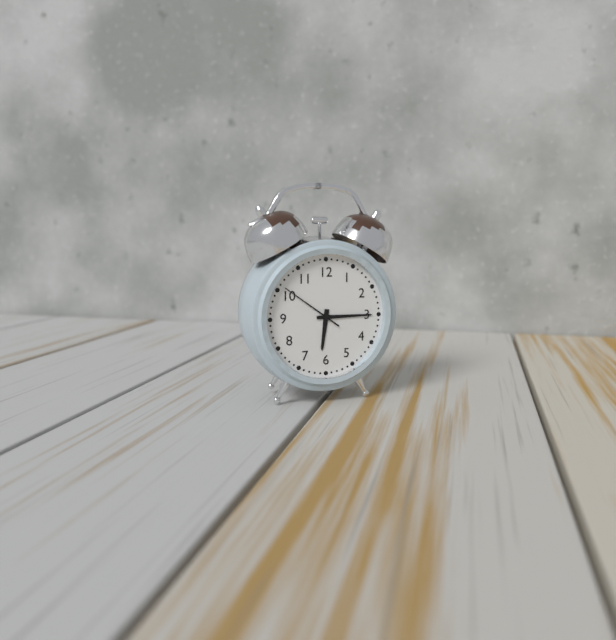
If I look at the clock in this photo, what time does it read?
6:15:51
